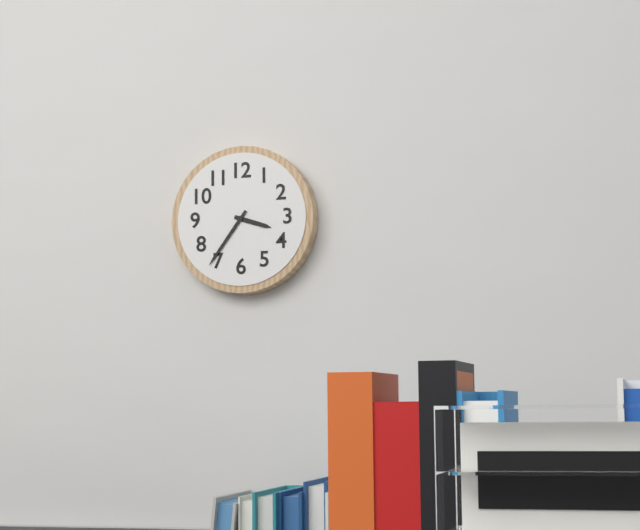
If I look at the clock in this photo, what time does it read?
3:36
